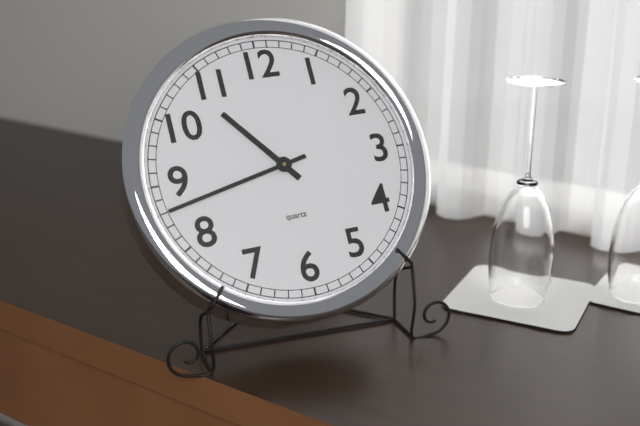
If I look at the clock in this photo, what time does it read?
10:43
